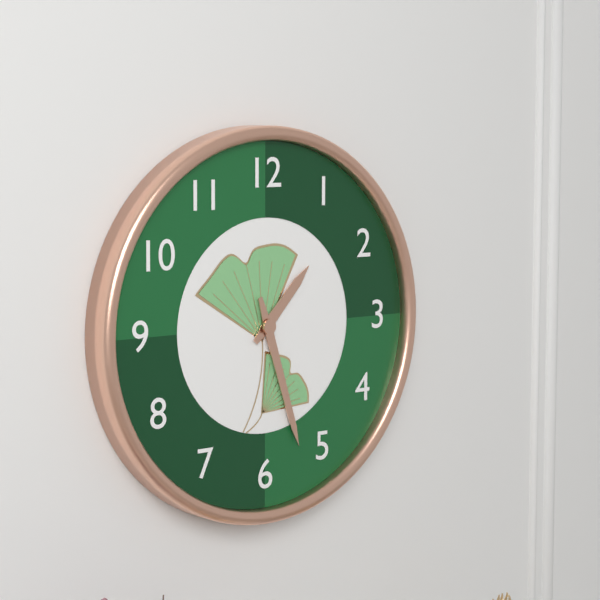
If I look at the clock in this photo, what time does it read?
1:27
